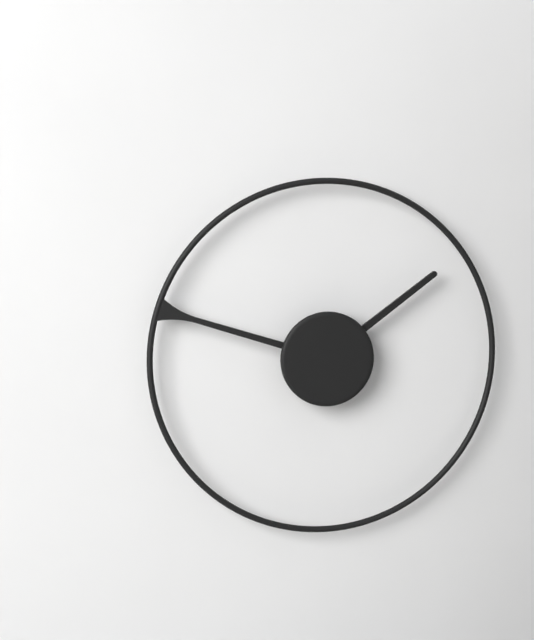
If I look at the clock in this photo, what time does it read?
1:48
